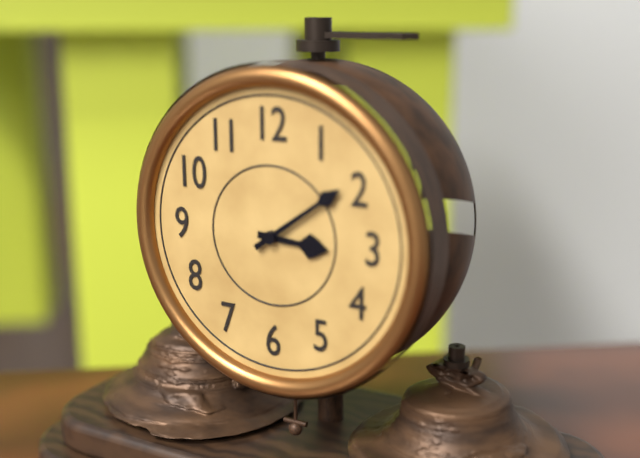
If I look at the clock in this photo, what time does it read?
3:09
